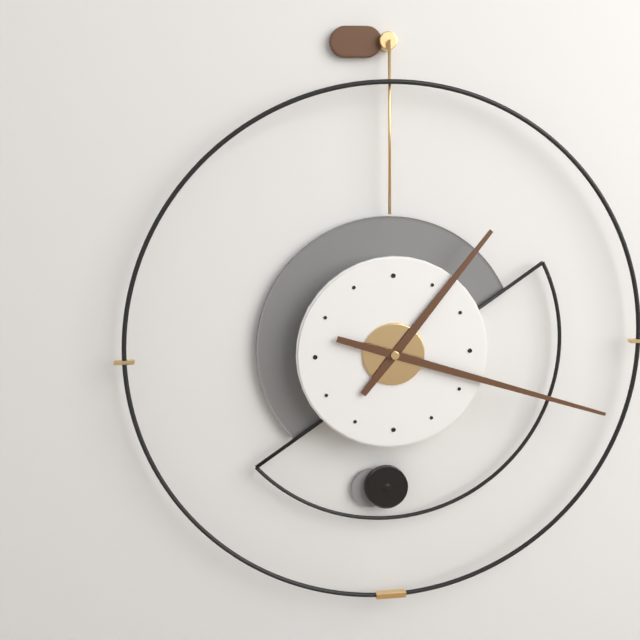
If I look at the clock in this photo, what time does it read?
1:18
